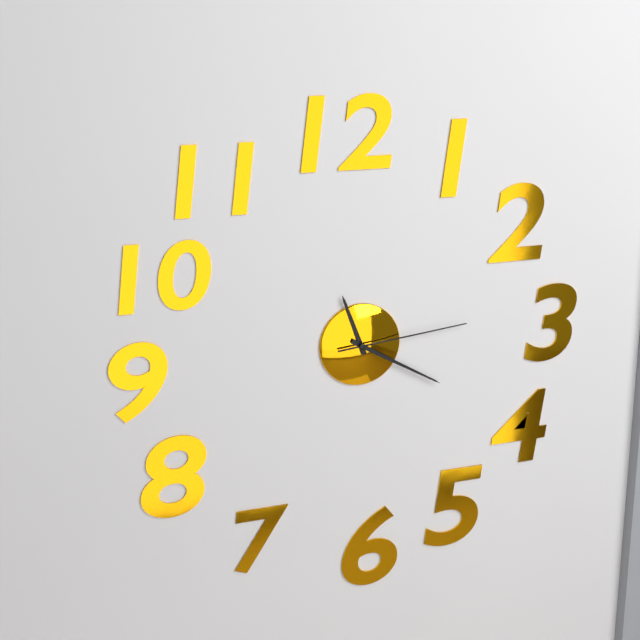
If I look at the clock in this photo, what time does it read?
11:20:14
